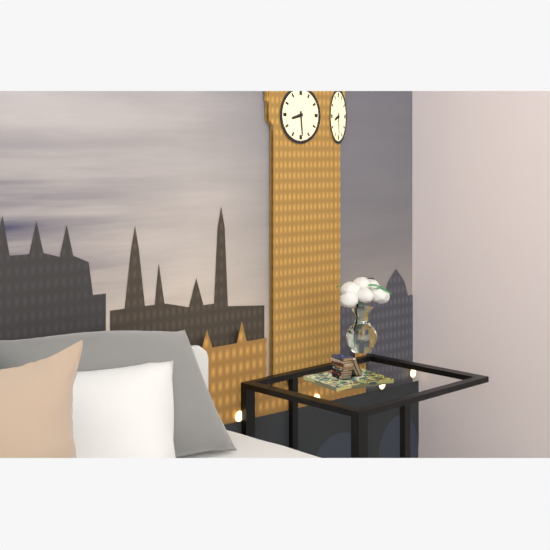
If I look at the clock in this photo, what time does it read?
8:29
